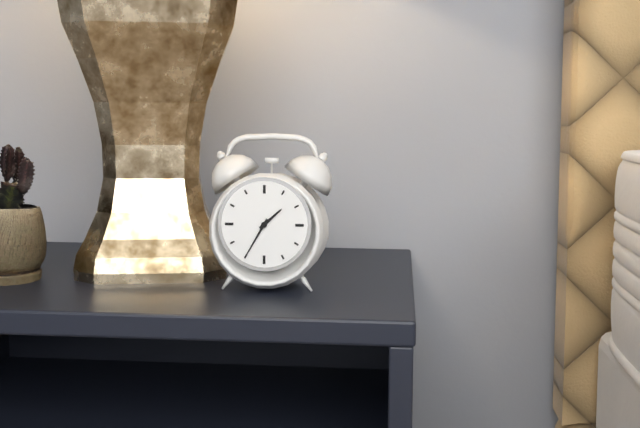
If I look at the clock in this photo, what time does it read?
1:35
